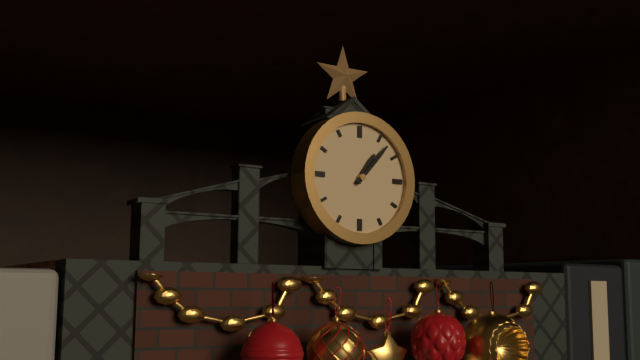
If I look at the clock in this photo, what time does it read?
1:07
